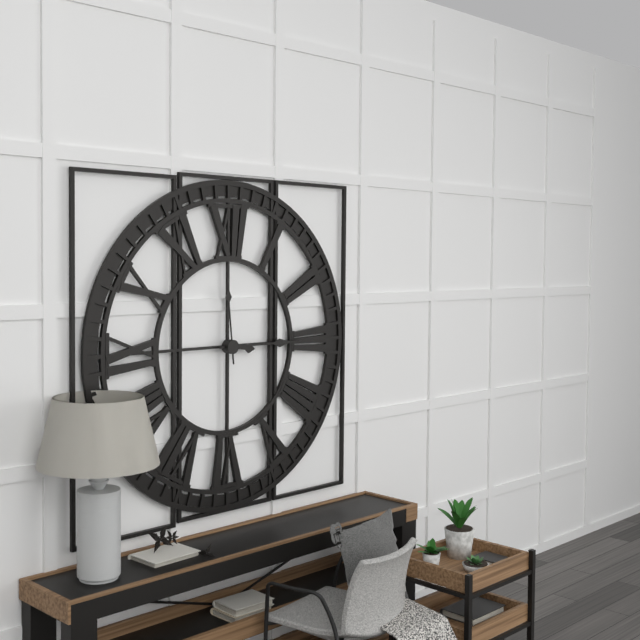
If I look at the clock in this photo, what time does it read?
3:15:59
